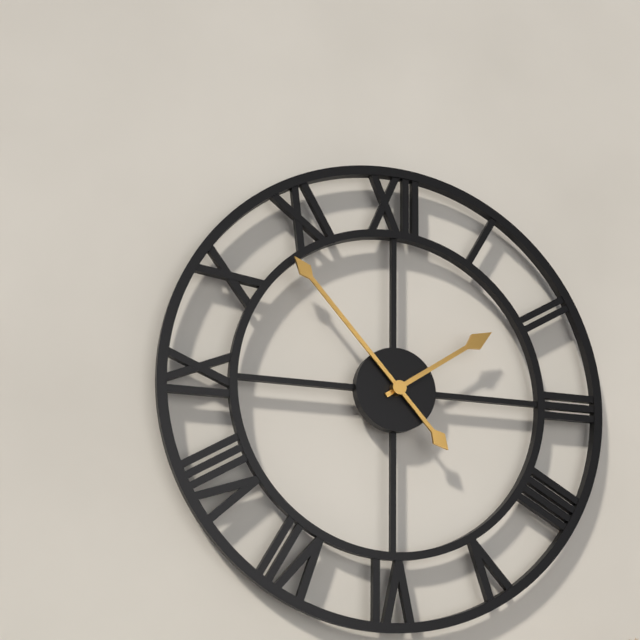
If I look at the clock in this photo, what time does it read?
1:53
